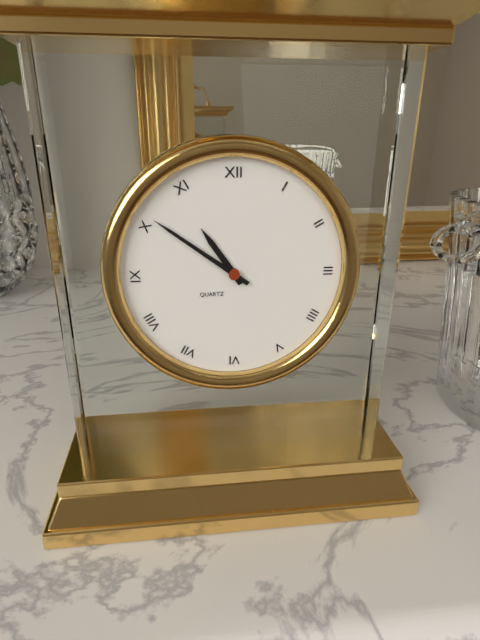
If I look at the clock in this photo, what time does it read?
10:51
